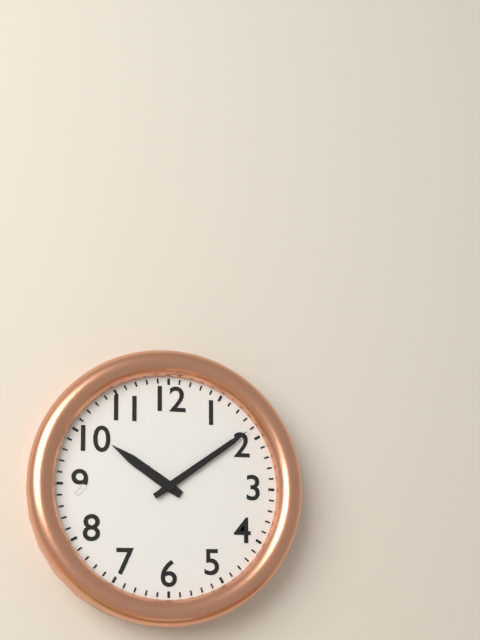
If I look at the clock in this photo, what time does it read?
10:09
